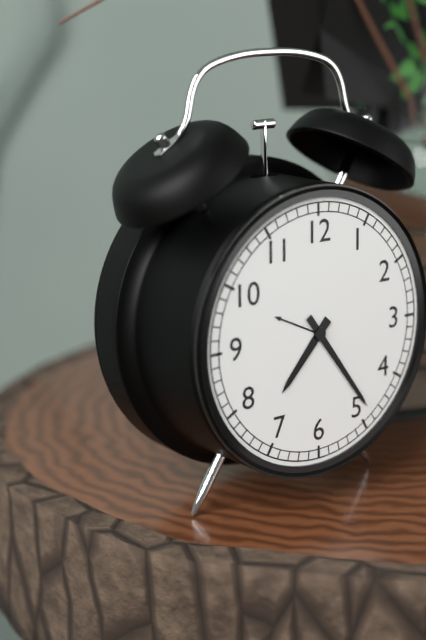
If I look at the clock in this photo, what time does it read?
7:24
